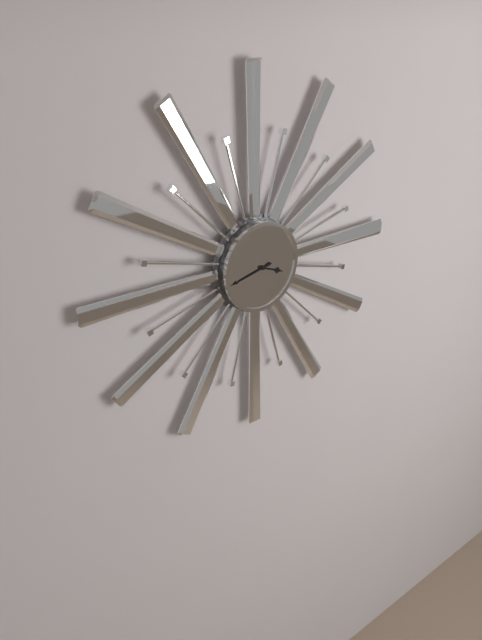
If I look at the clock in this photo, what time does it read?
3:43
